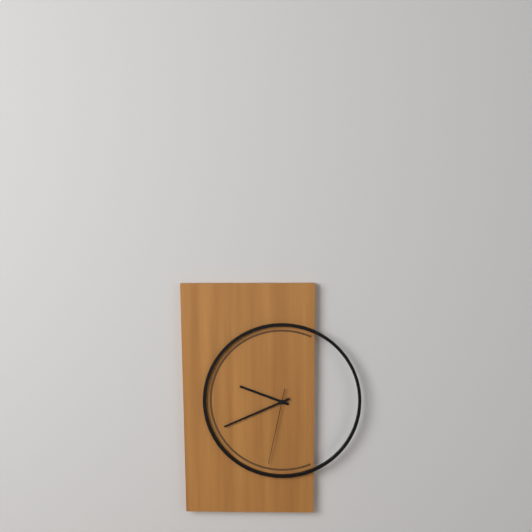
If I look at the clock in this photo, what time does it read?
9:41:32
